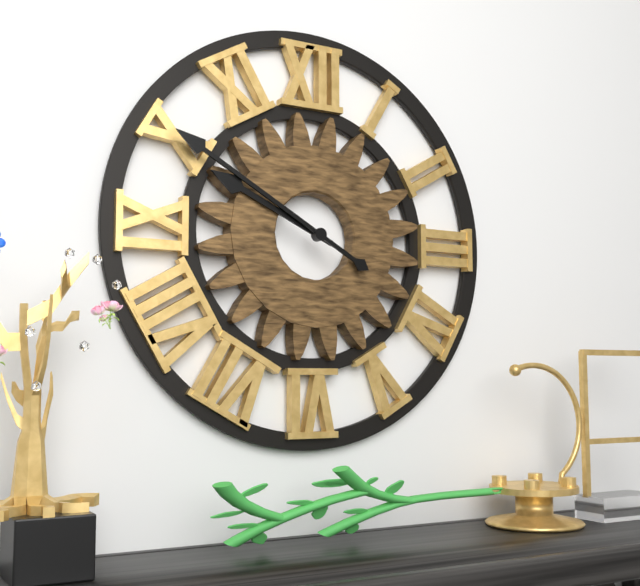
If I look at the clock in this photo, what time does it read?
9:50
